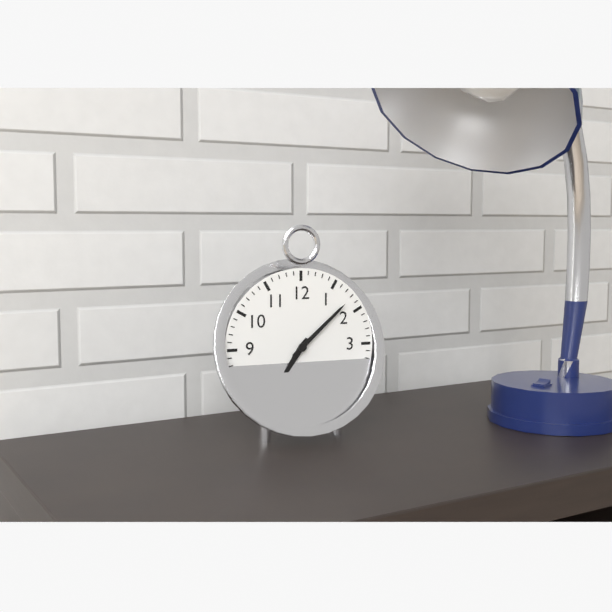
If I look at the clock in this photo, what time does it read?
7:08
